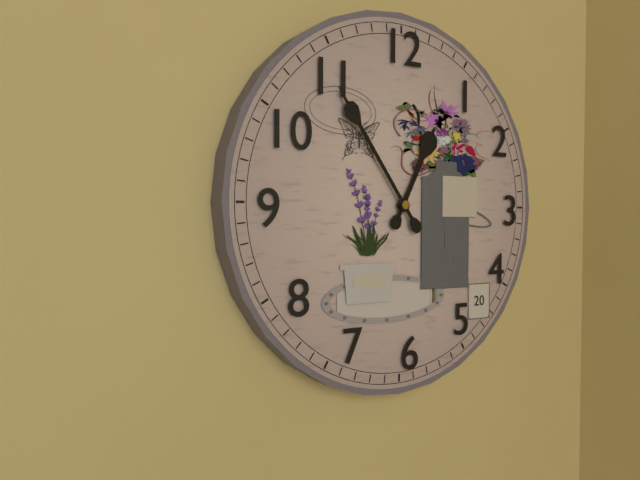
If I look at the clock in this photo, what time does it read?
12:54
